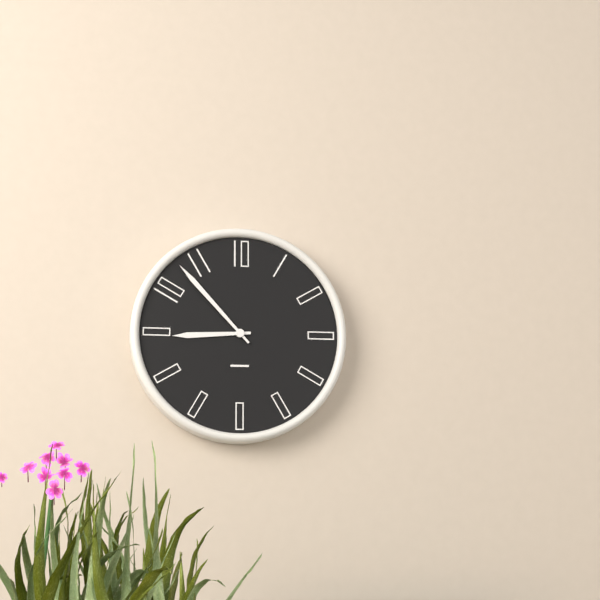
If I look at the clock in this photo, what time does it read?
8:53
